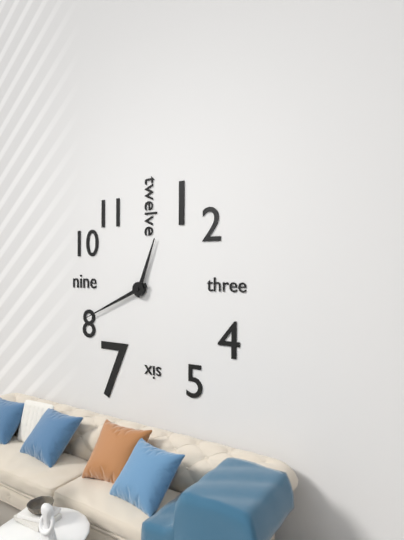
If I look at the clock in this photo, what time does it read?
12:41
